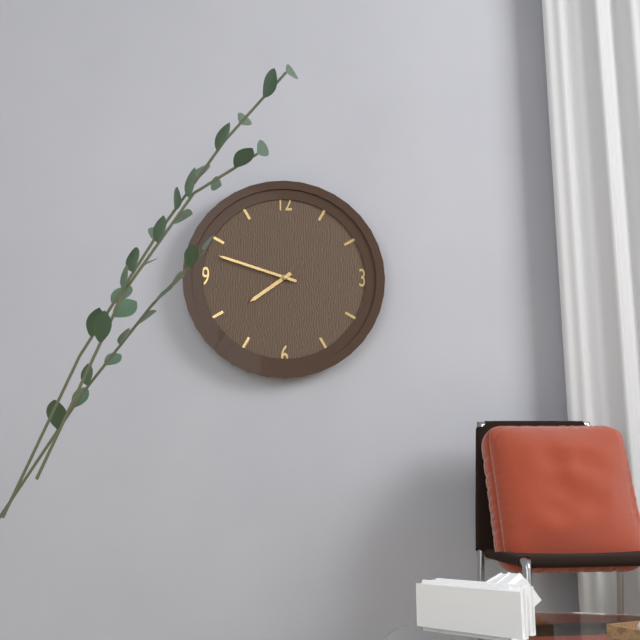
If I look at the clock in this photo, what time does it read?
7:48
